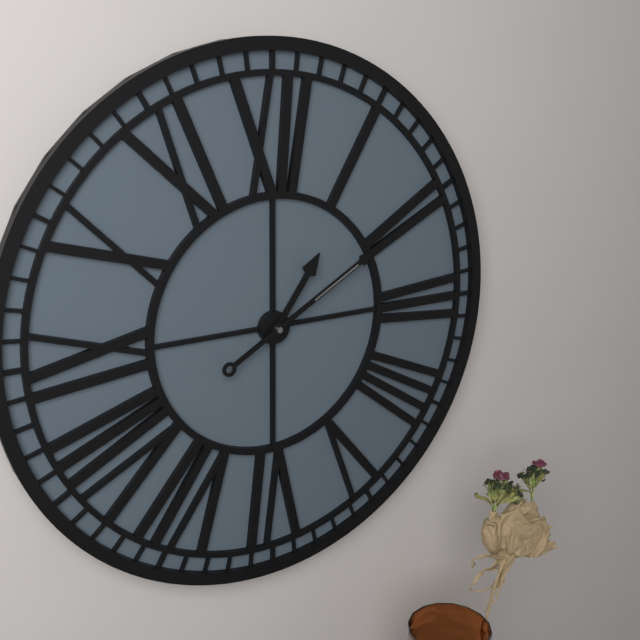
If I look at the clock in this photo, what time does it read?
1:10
